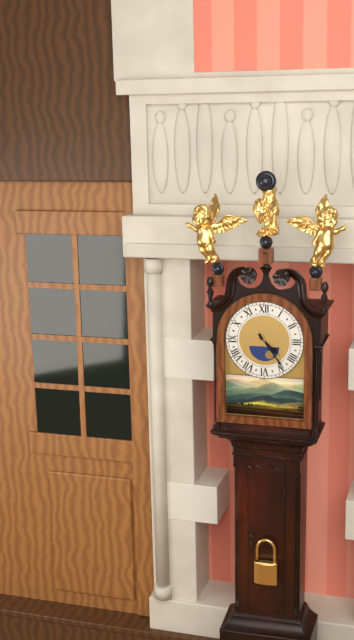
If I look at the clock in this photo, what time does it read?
4:24
